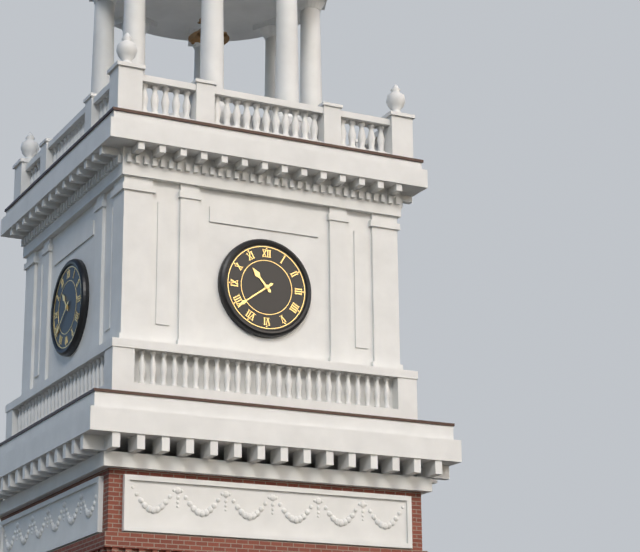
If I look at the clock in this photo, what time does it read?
10:39
